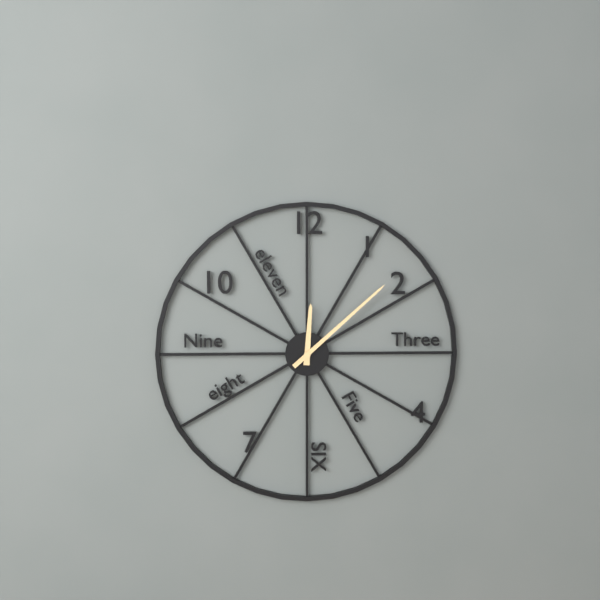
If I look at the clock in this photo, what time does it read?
12:08
